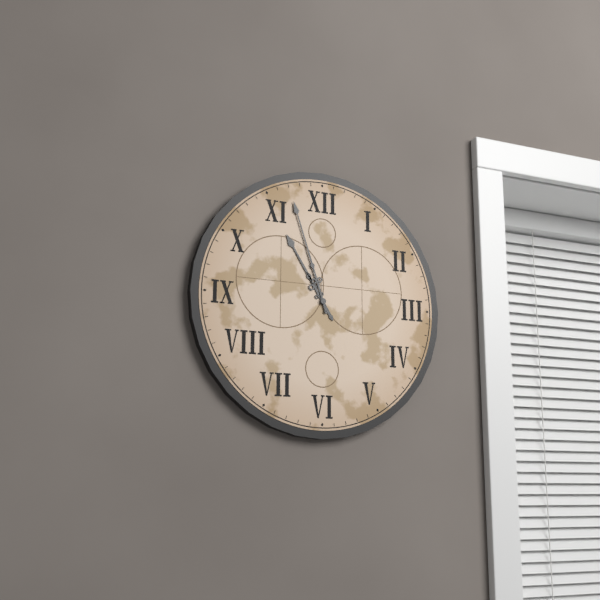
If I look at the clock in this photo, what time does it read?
10:57
